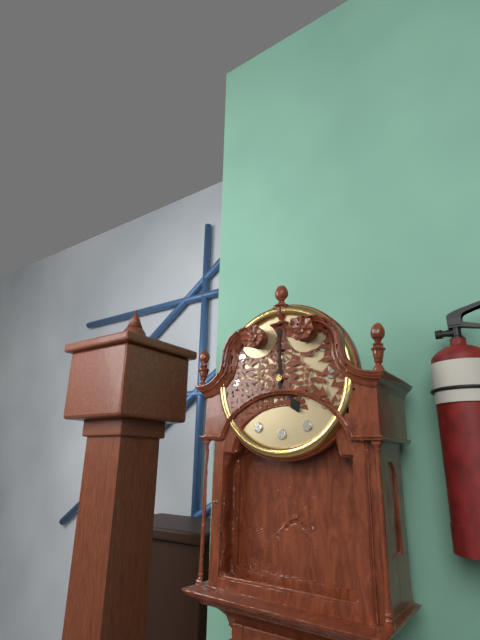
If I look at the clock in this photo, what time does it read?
5:00
